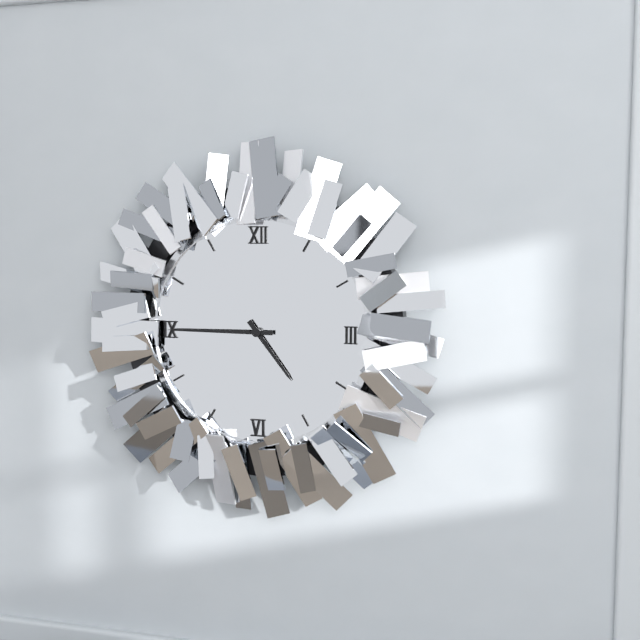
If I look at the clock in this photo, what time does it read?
4:45
